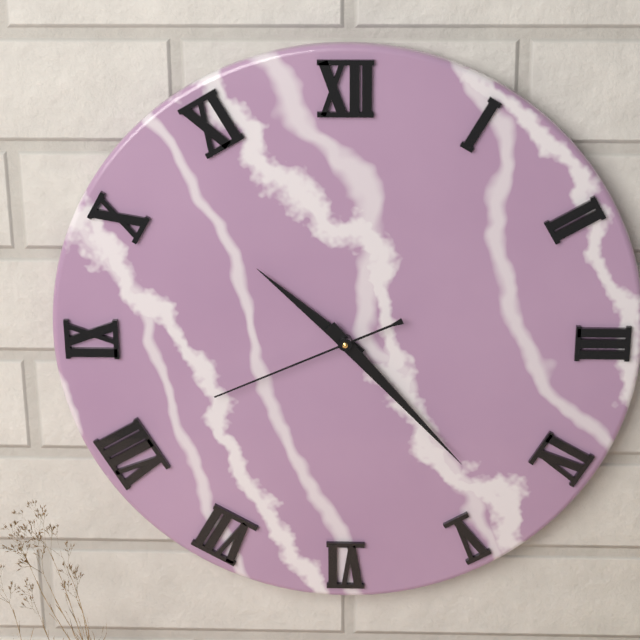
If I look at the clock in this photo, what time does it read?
10:23:41
